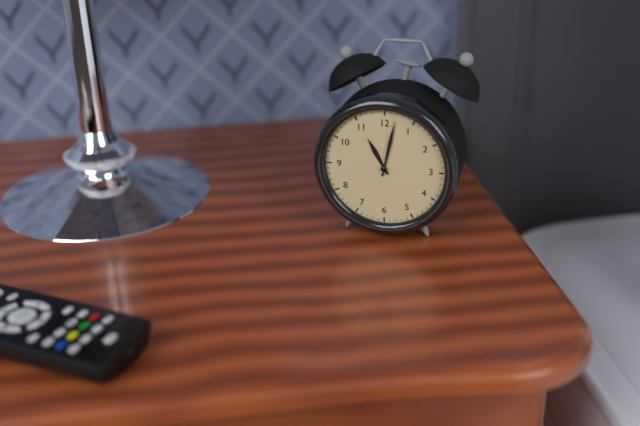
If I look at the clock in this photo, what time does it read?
11:02
